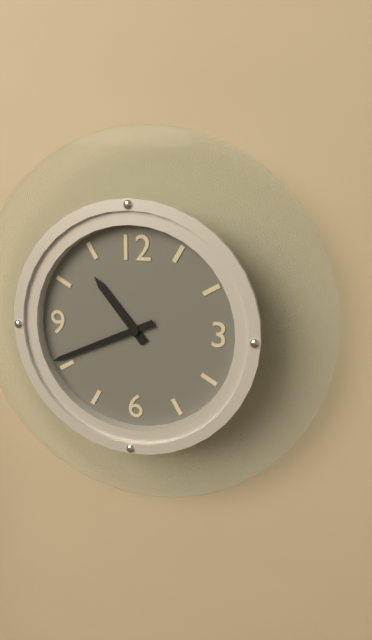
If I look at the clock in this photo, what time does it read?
10:41
